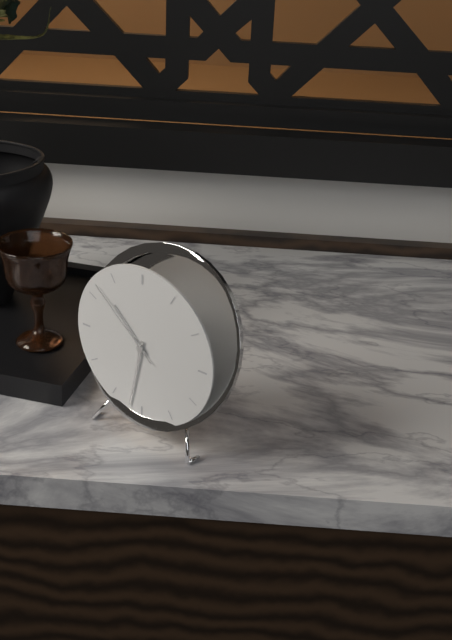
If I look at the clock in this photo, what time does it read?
10:32:52
